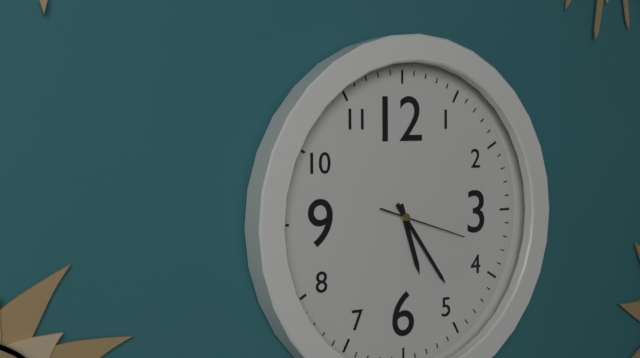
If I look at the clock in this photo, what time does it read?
5:24:18
